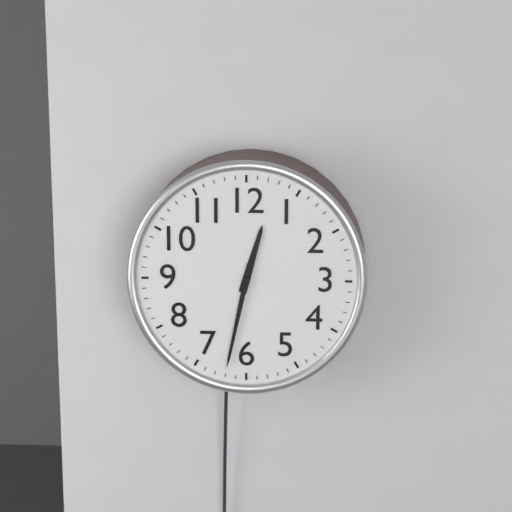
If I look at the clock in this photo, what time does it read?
12:32
